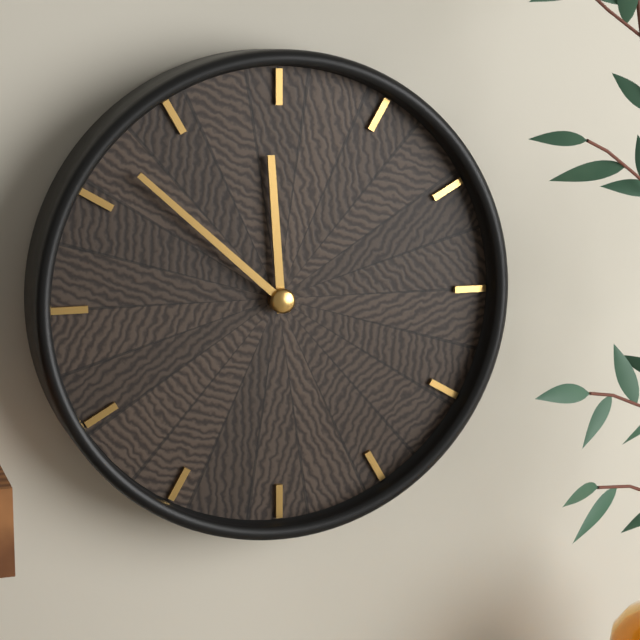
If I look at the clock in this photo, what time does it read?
11:52
